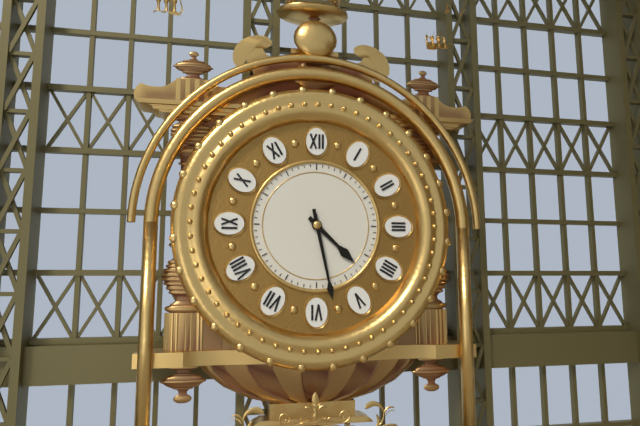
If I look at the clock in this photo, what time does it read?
4:28
